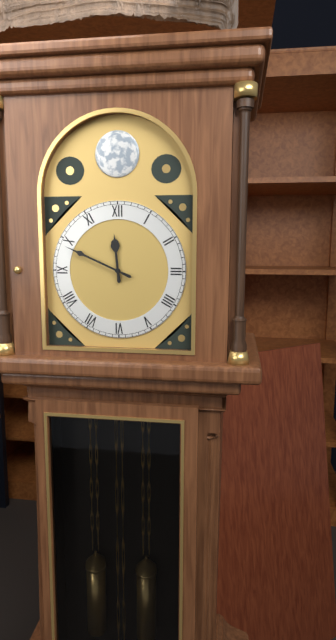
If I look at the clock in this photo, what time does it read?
11:49
